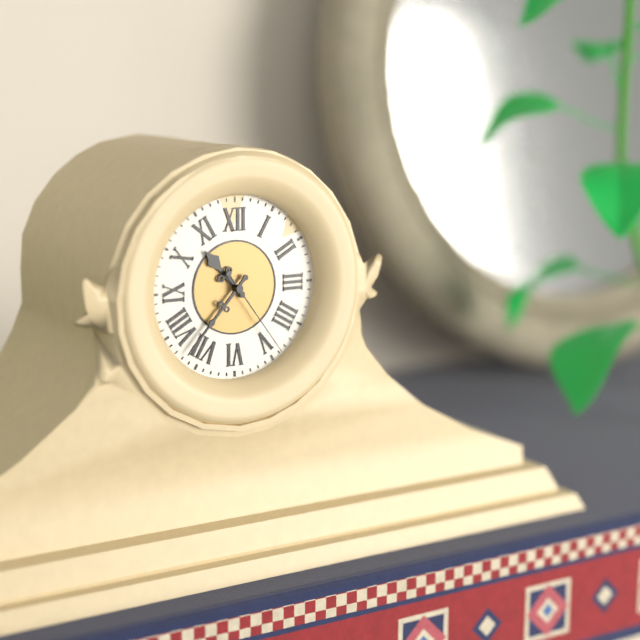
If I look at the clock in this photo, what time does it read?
10:37:24
